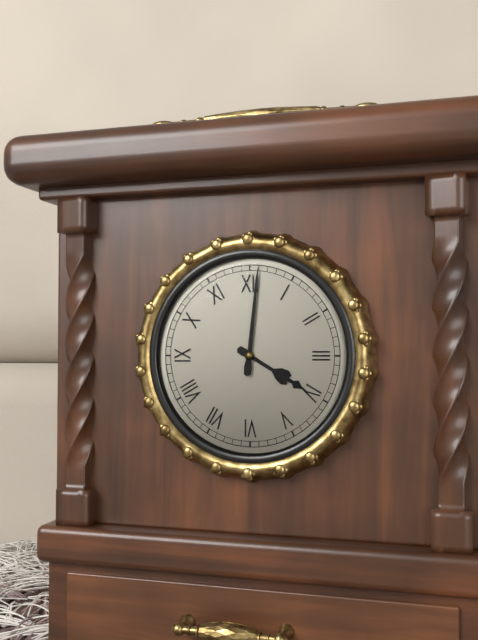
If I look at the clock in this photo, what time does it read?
4:01
